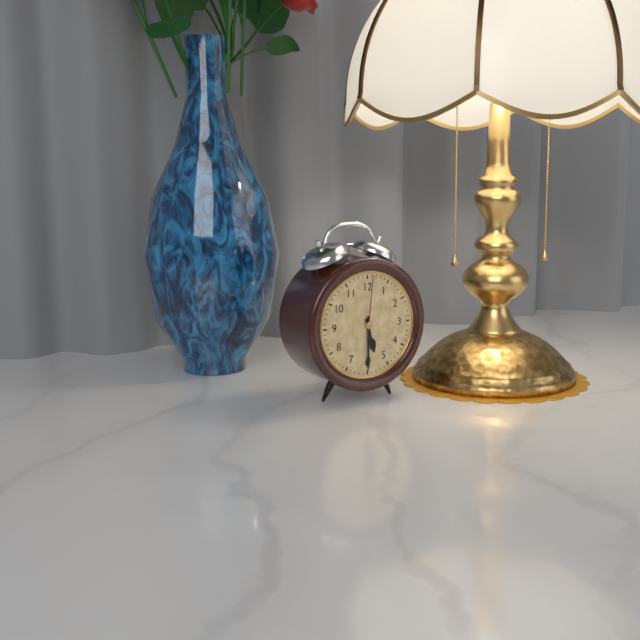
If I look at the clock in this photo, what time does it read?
5:30:01
